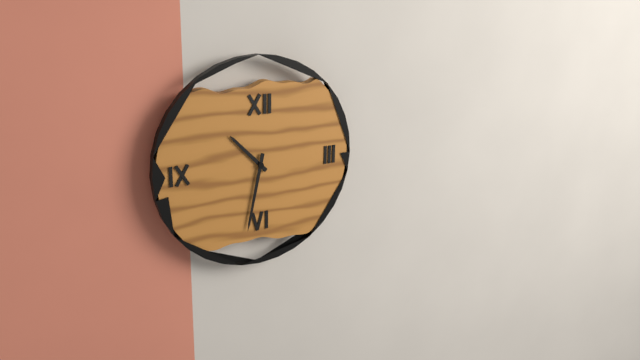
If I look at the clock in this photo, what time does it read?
10:32
